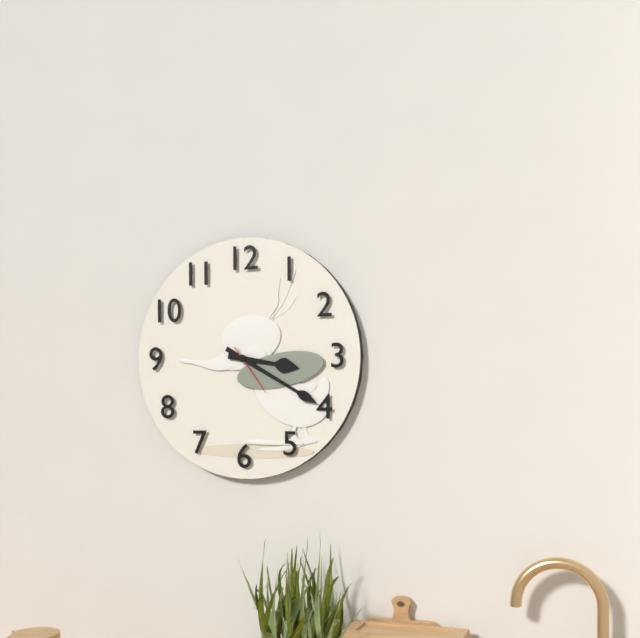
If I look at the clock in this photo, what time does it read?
3:20:24
